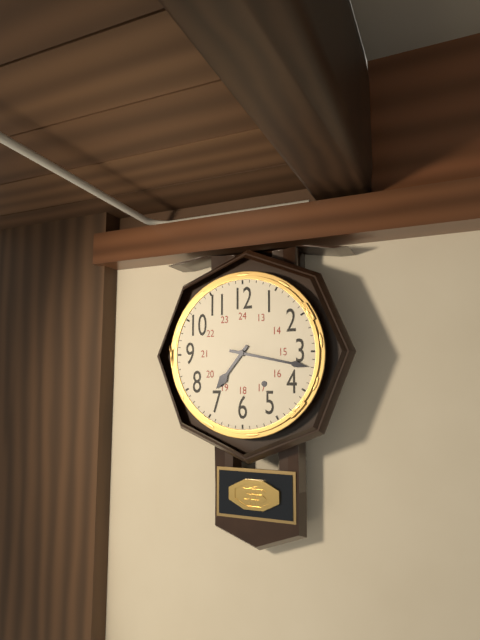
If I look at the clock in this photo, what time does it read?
7:17
